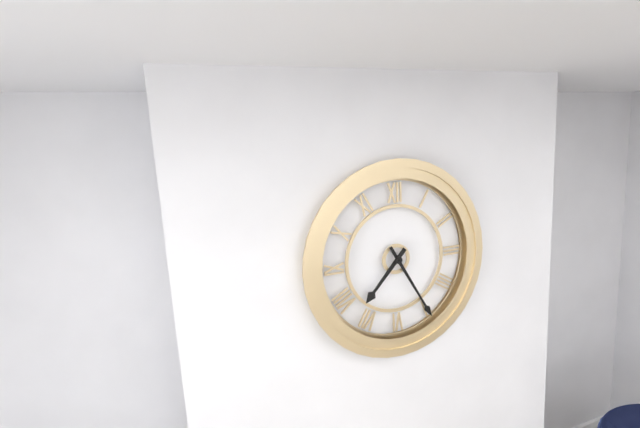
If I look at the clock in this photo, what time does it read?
7:25
